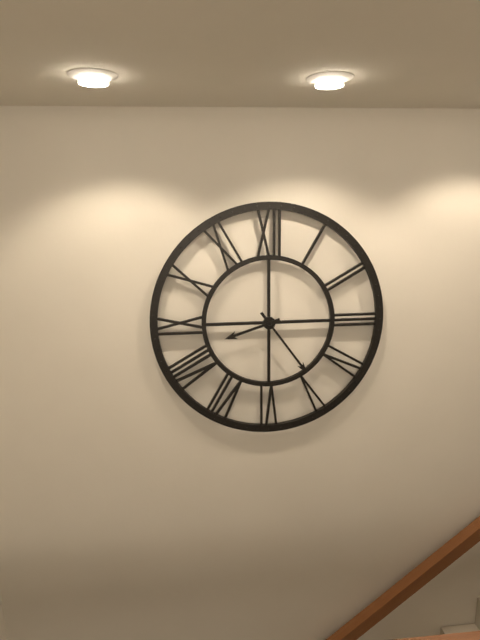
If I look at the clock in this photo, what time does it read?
8:24
